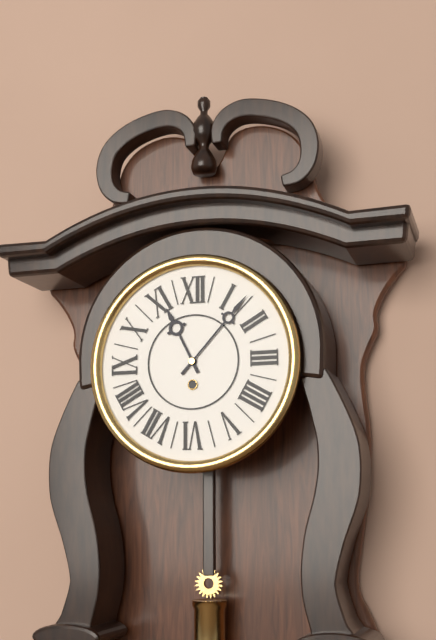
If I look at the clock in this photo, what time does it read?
11:07
